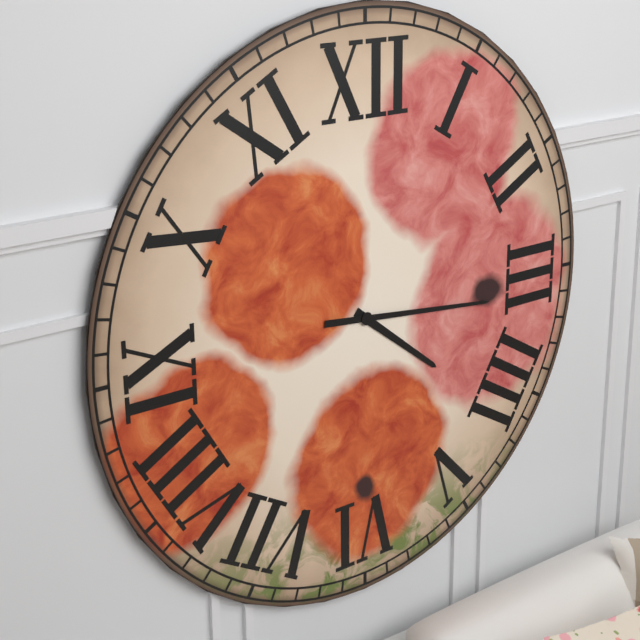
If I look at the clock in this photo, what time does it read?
4:16
